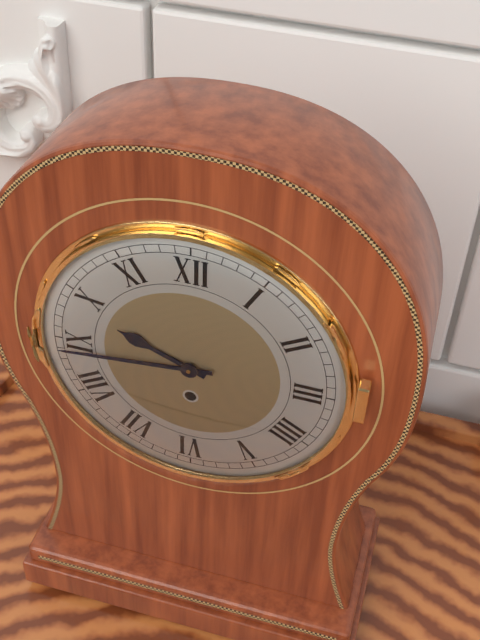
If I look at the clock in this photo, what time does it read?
9:44
